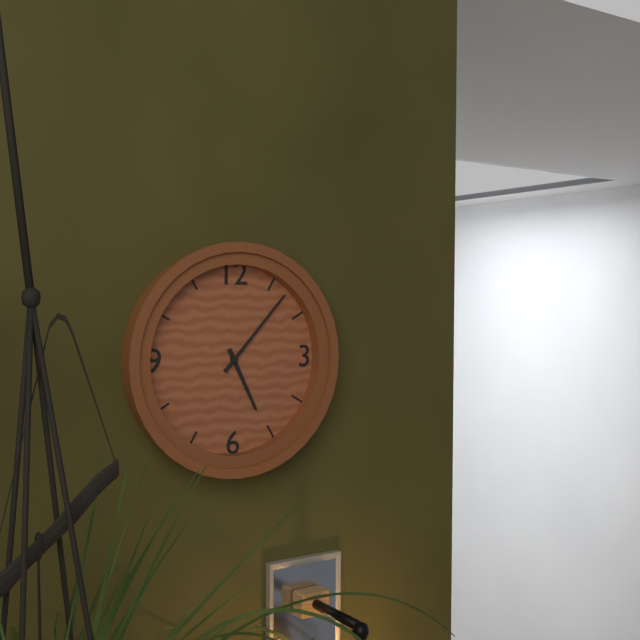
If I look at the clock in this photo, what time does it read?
5:07
